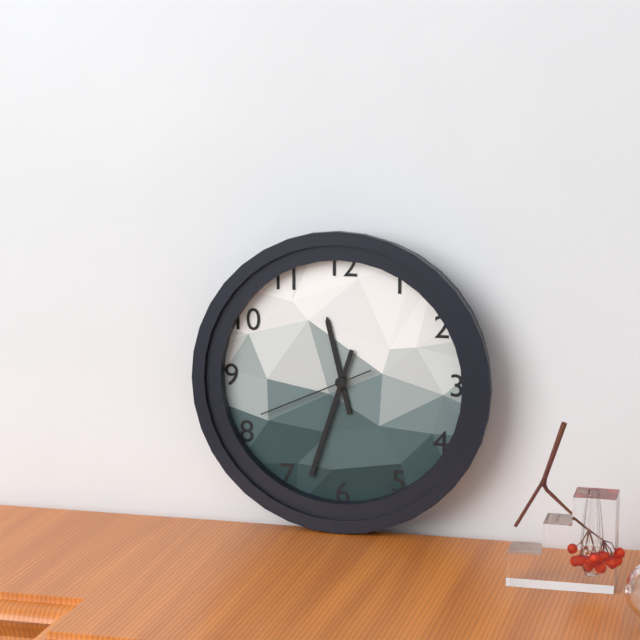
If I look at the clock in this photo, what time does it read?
11:33:41
